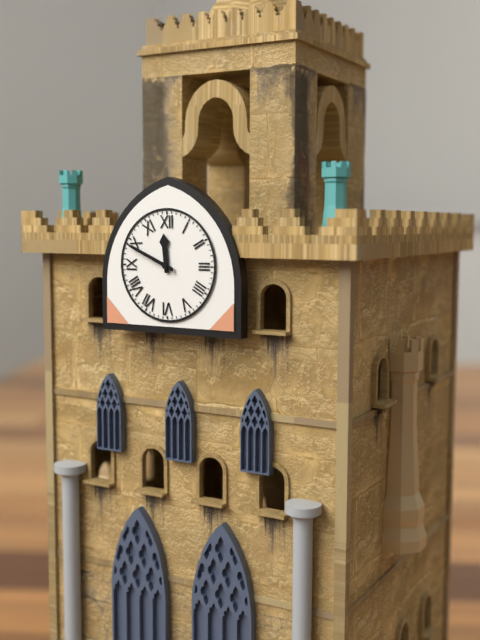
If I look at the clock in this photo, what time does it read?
11:49
